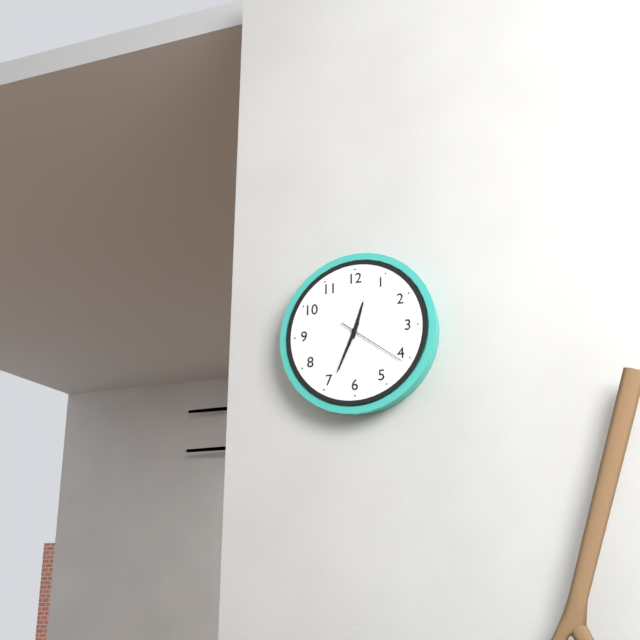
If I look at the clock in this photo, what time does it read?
12:34:21
